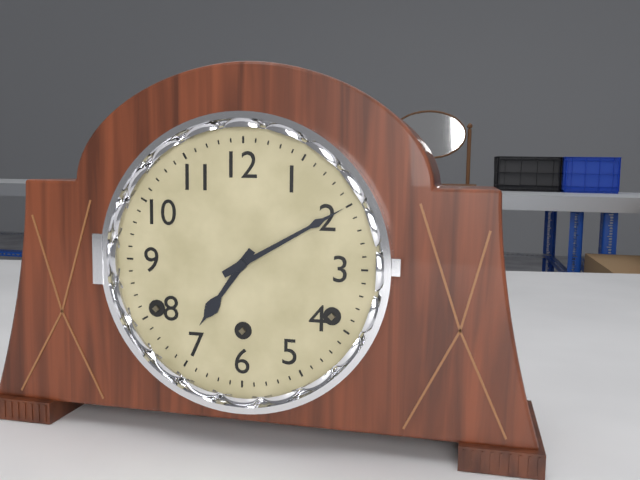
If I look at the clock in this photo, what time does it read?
7:10
